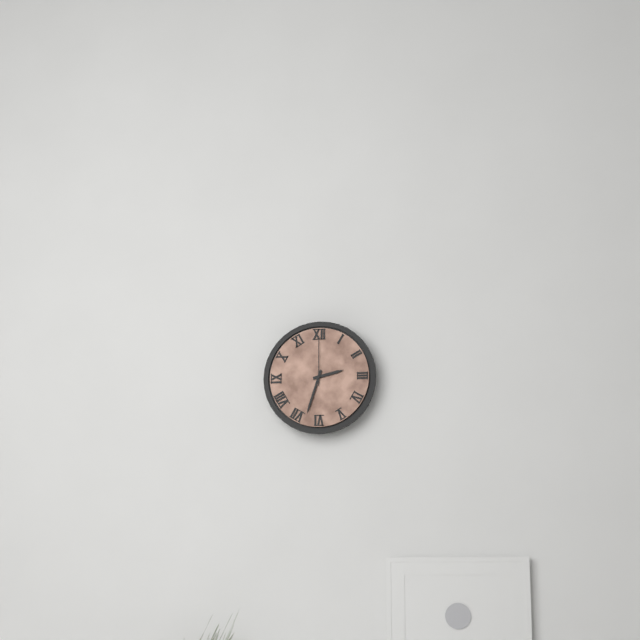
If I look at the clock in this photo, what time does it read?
2:33:00
